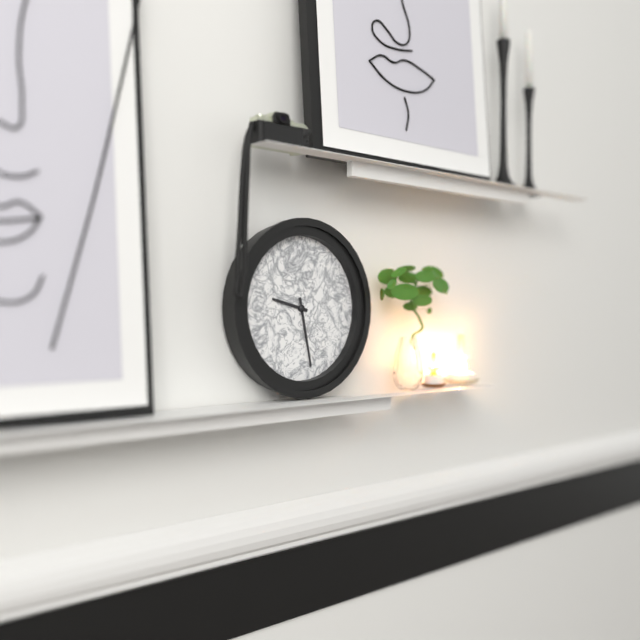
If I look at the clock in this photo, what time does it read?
9:28
